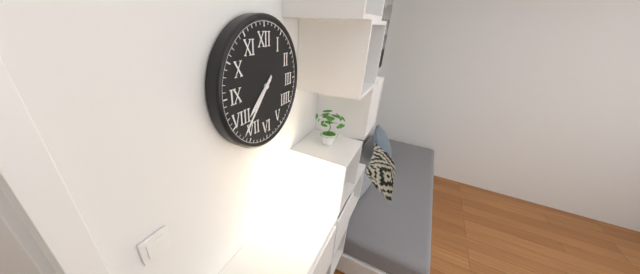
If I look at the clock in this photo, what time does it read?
7:37
